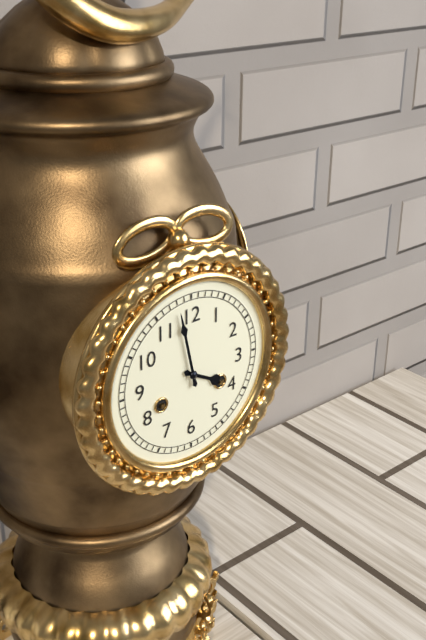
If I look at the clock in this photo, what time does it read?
3:58
